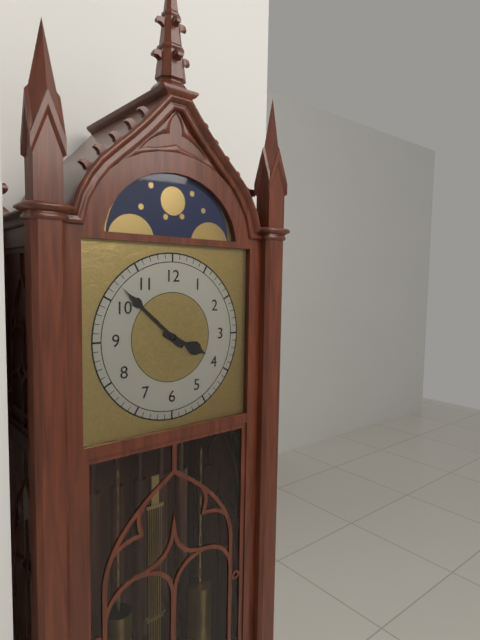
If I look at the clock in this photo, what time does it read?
3:52
